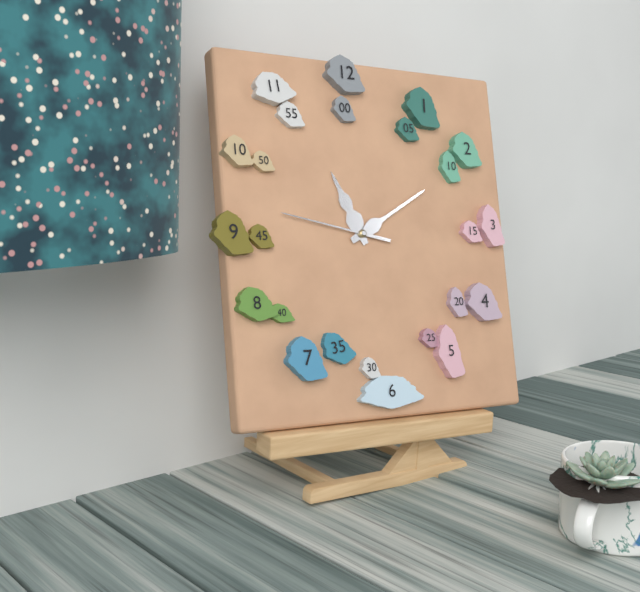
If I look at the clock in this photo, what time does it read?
11:10:47
